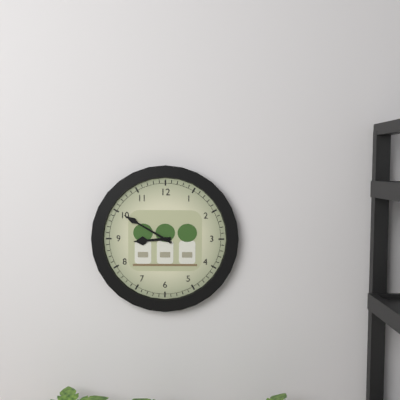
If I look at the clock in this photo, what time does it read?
8:50
